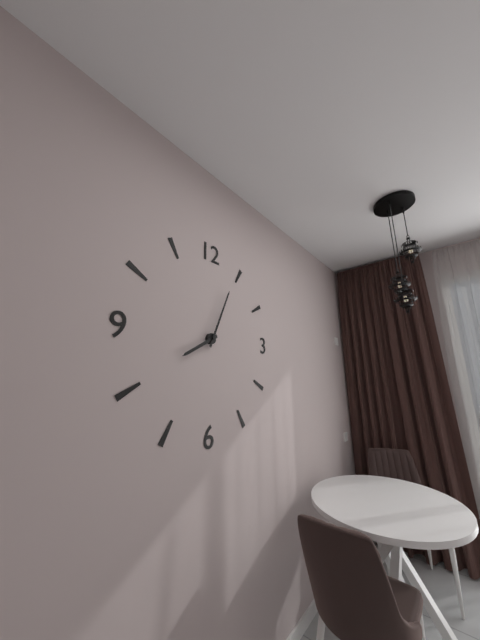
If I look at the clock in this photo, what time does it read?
8:04
